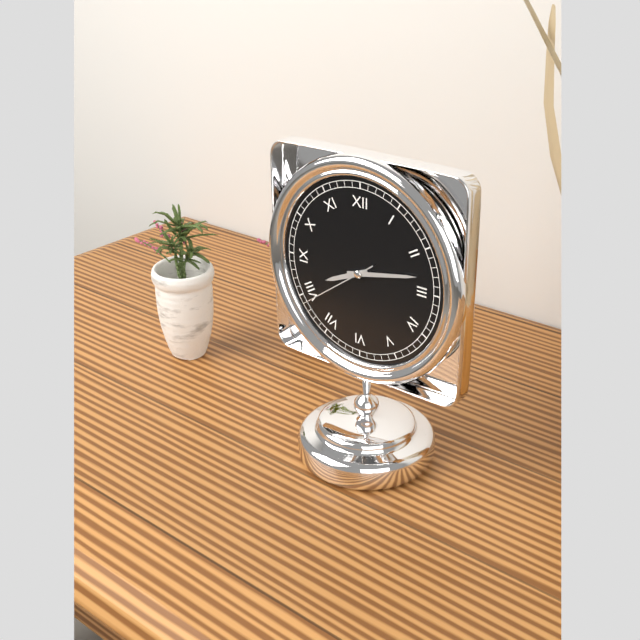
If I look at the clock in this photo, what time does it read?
8:13:39
